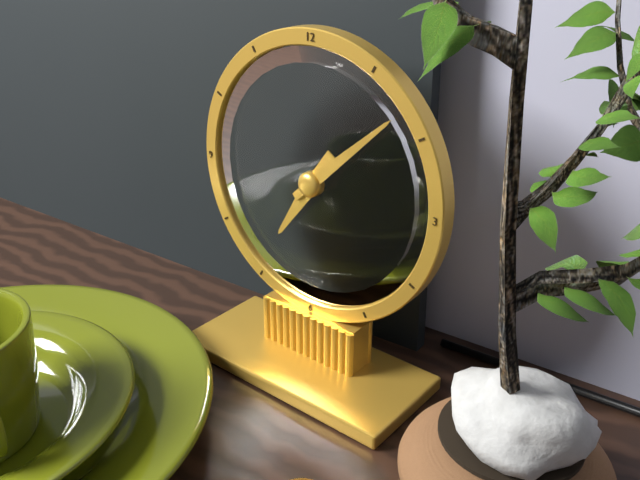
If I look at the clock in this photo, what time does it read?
7:08
